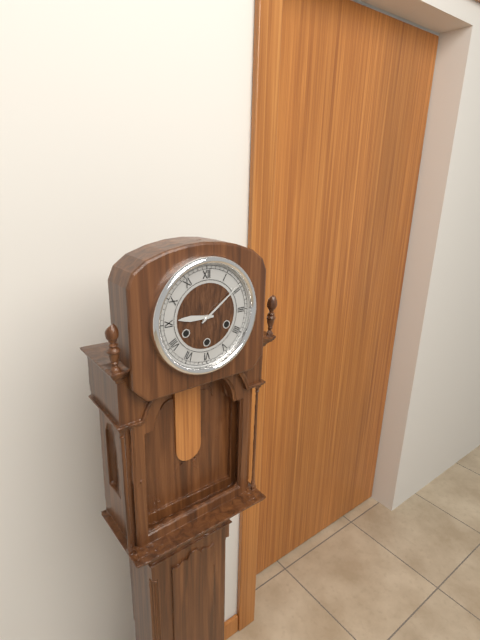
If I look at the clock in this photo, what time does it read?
9:09
